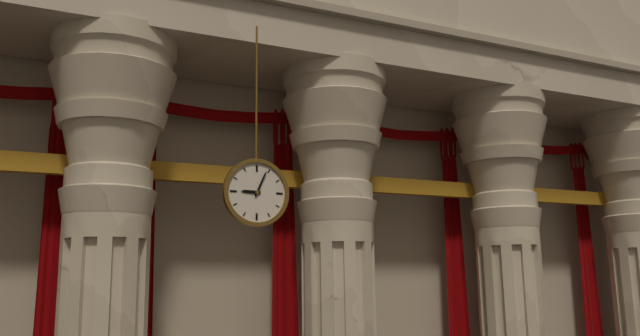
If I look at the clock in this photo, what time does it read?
9:04
